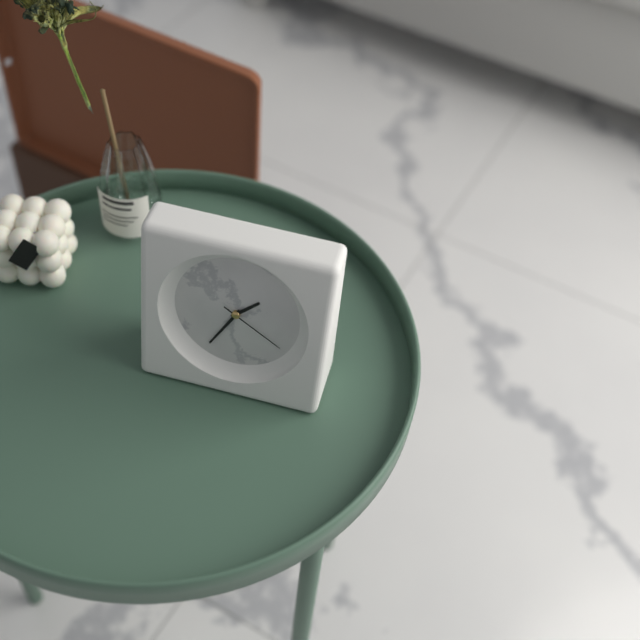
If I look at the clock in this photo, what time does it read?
1:35:20
